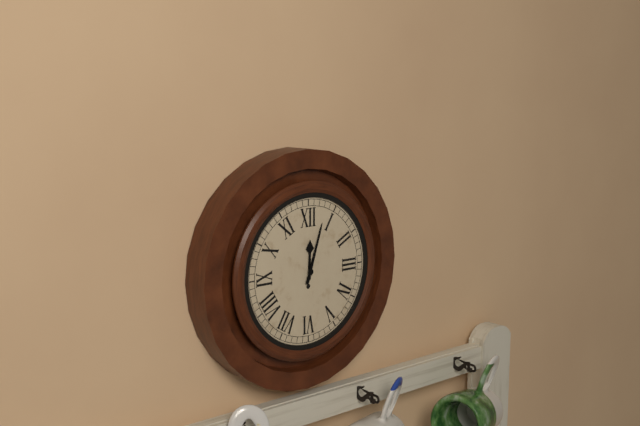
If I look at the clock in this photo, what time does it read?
12:03
